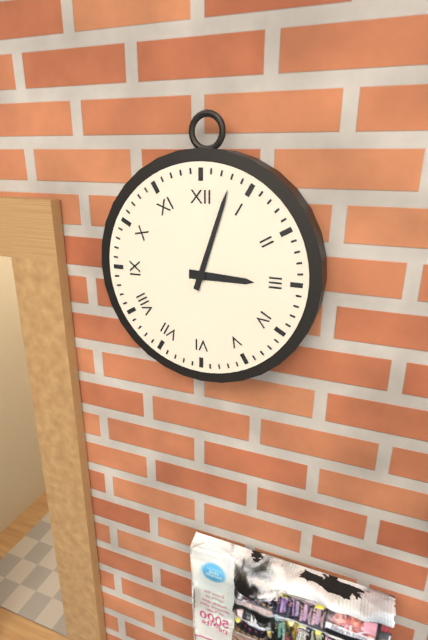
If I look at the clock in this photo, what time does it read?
3:03
